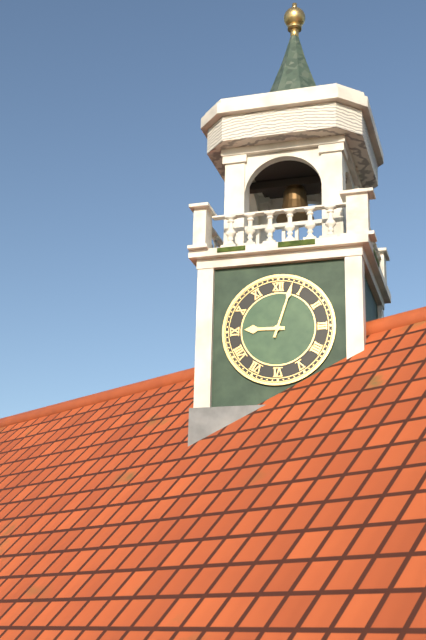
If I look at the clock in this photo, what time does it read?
9:03
